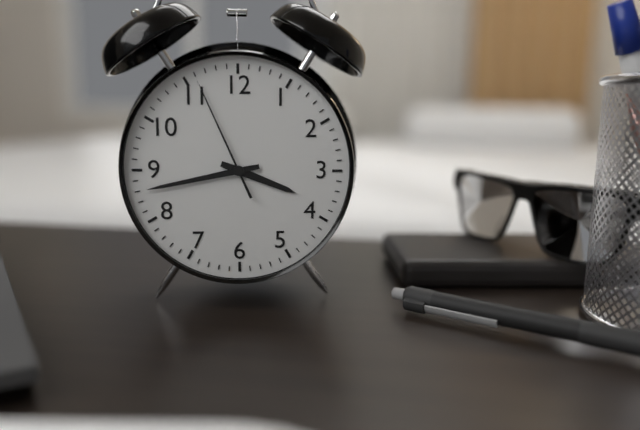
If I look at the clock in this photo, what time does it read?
3:43:56
